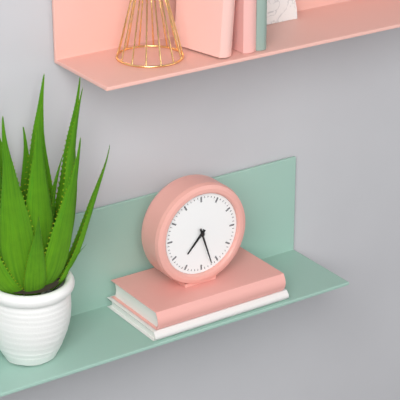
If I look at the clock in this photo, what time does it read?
7:27
